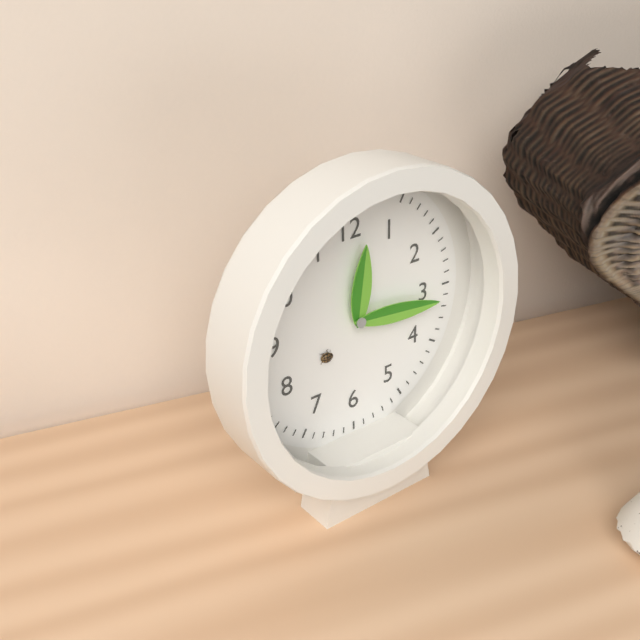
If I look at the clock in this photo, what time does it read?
12:16
